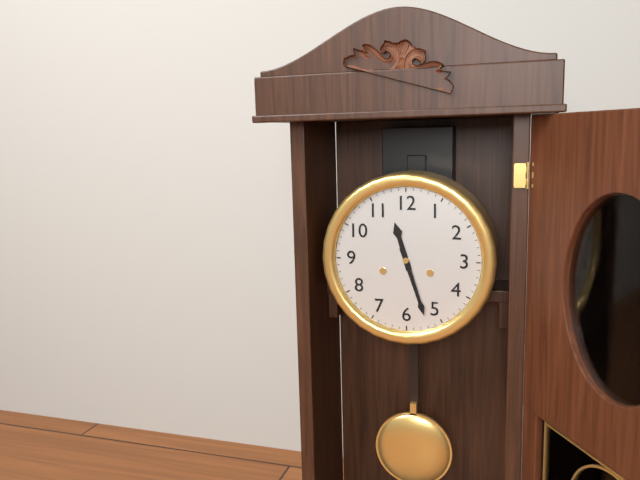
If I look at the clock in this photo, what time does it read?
11:27
